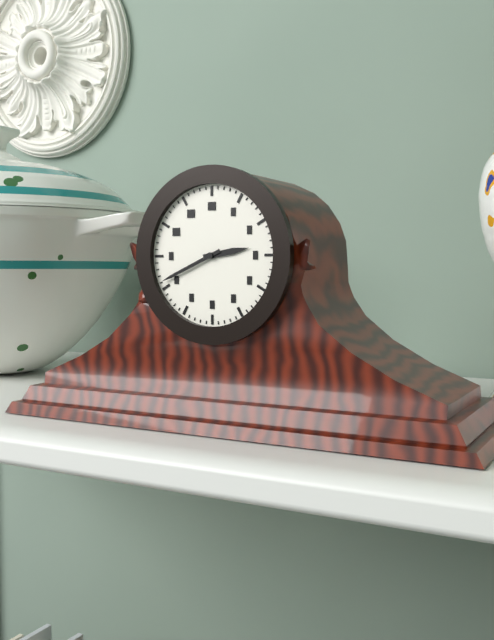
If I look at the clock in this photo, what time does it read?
2:41
